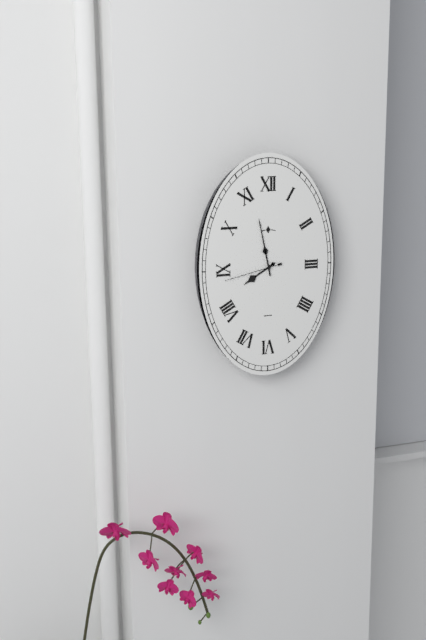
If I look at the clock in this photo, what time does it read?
7:58:43
